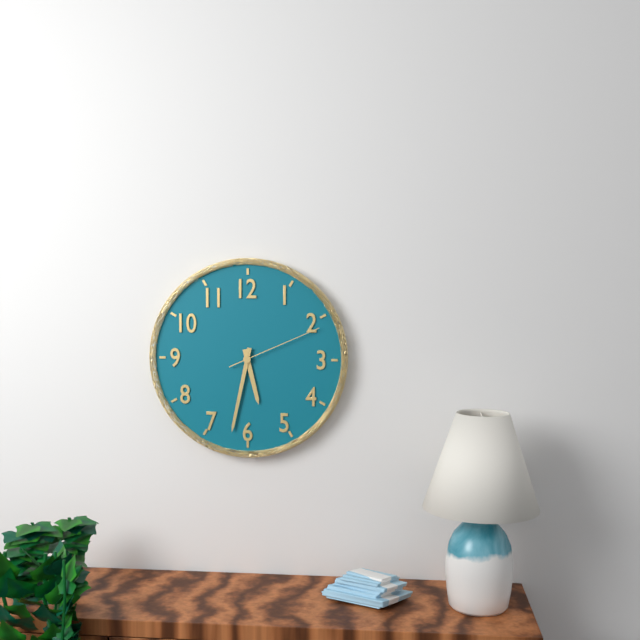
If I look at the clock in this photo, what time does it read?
5:32:11
